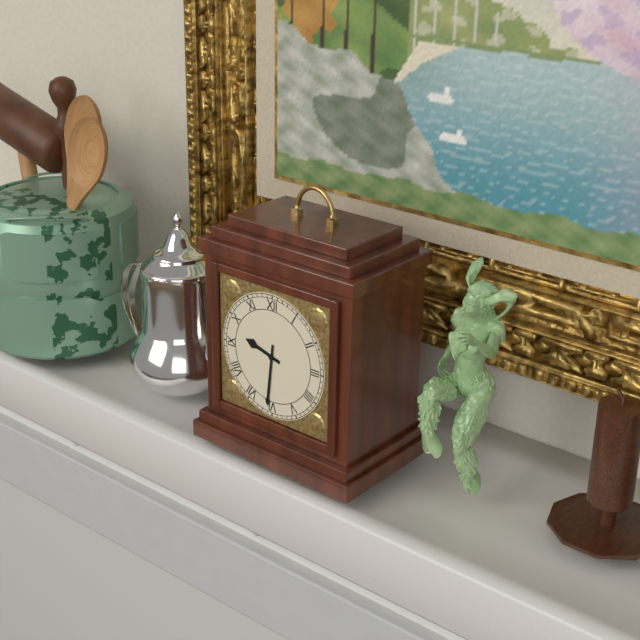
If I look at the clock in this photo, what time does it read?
9:31
